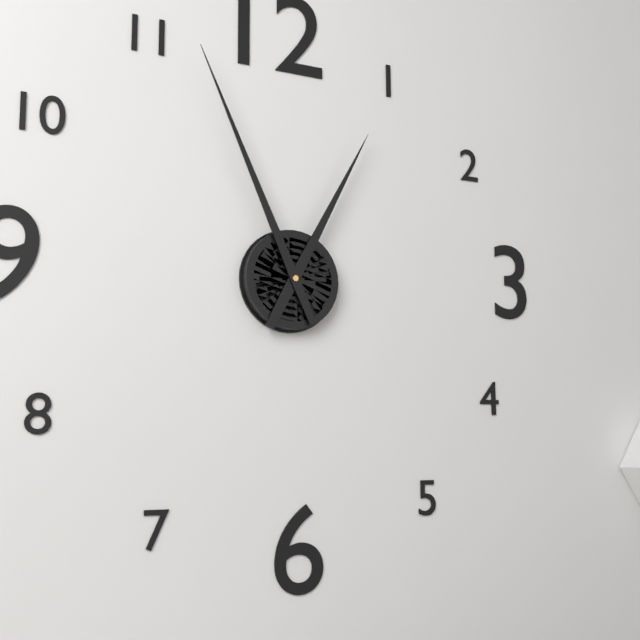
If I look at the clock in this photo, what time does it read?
12:56
